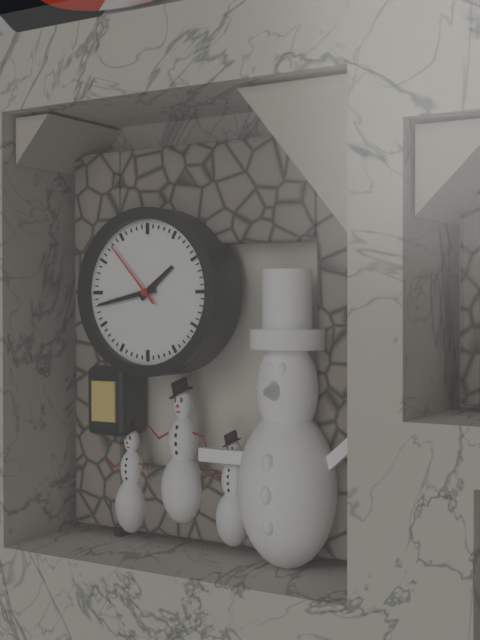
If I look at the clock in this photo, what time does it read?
1:43:53
